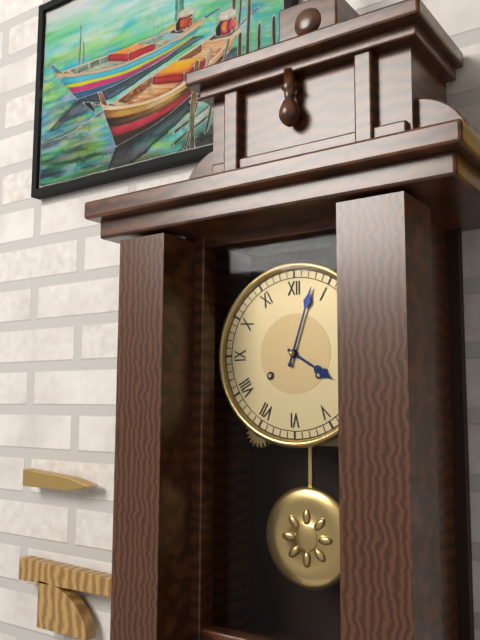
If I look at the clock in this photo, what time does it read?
4:03
